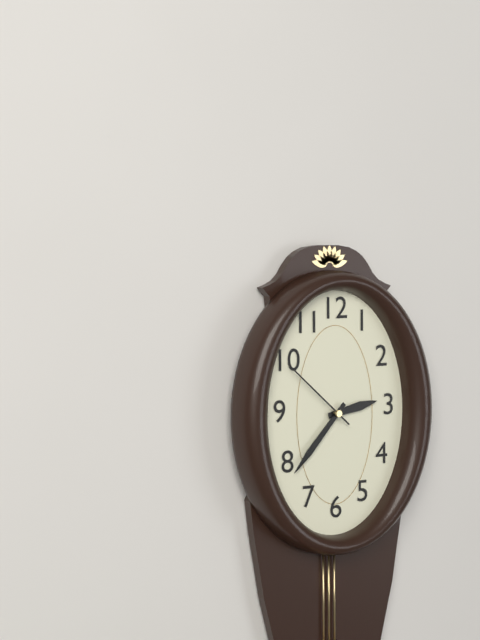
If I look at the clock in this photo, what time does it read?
2:37:52
